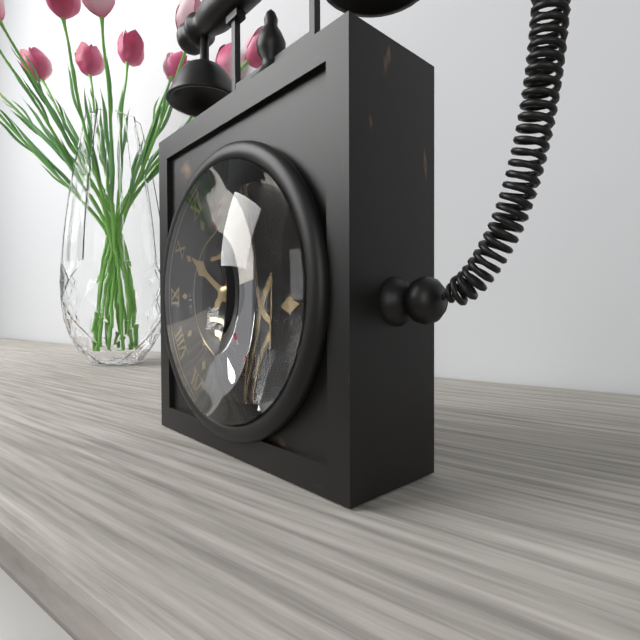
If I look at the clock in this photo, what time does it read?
10:07
